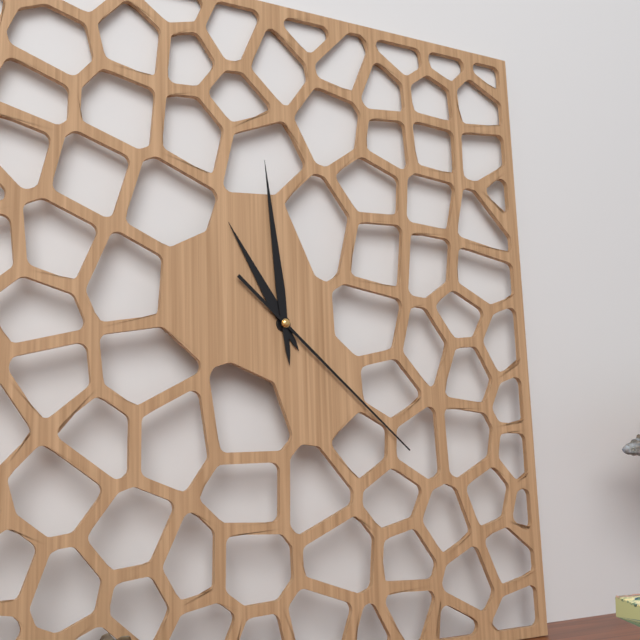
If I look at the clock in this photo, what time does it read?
10:59:22
